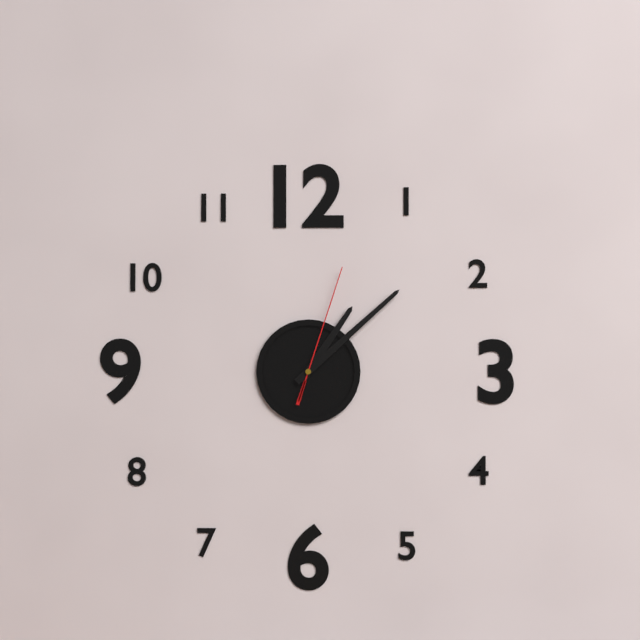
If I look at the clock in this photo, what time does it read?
1:08:03
